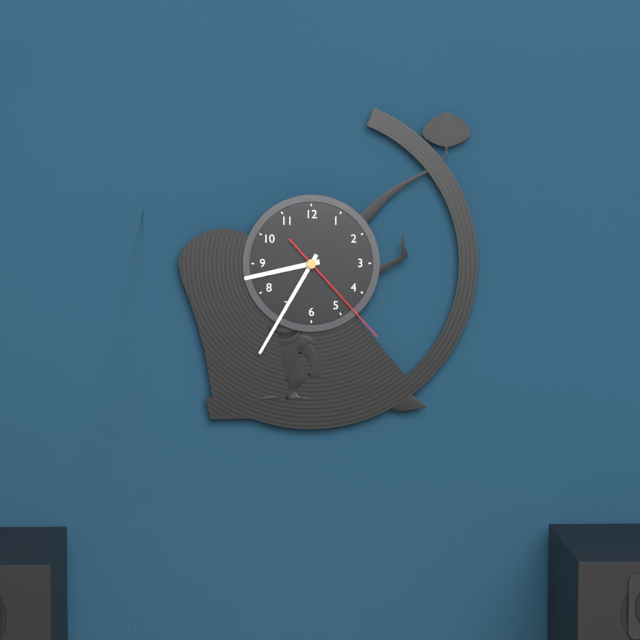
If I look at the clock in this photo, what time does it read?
8:35:23
